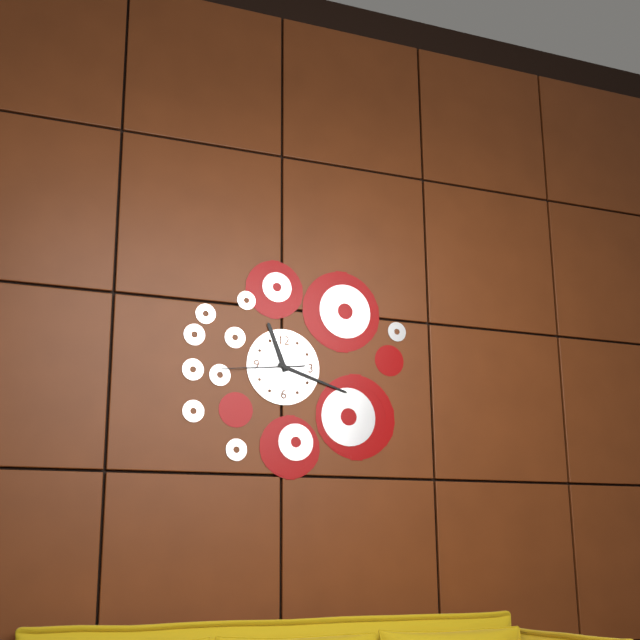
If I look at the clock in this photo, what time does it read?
11:18:44
